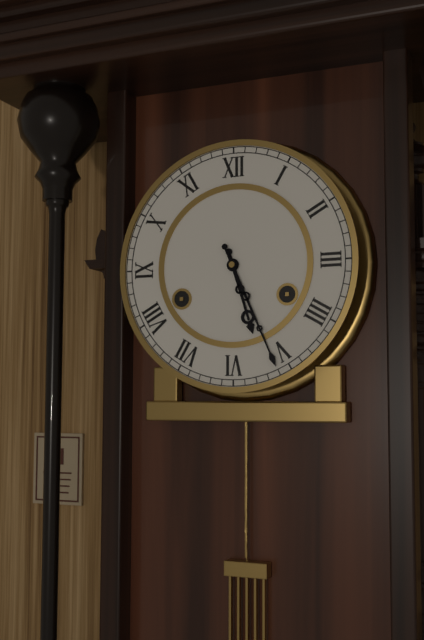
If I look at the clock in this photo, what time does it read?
5:26
